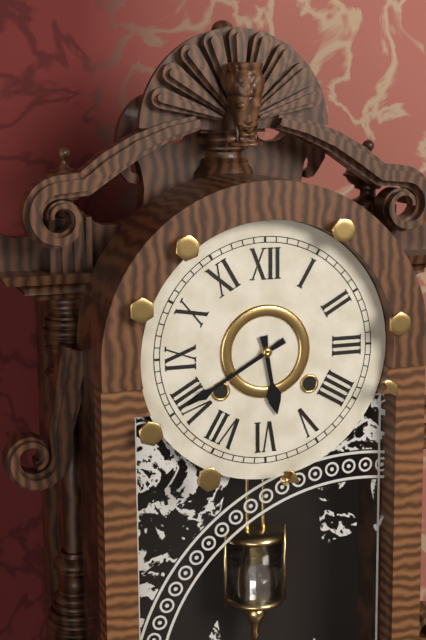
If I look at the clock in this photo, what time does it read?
5:40
